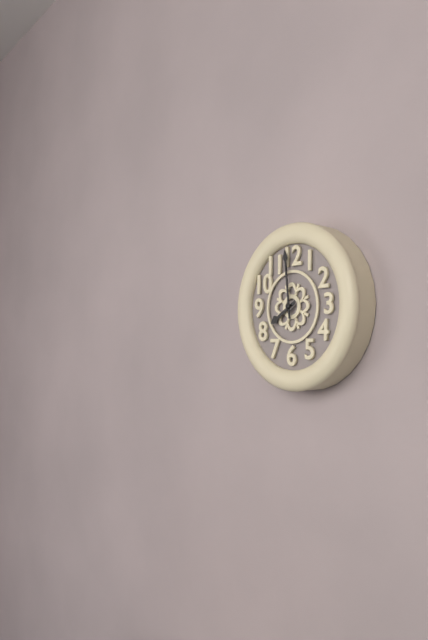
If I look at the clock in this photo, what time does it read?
7:59
